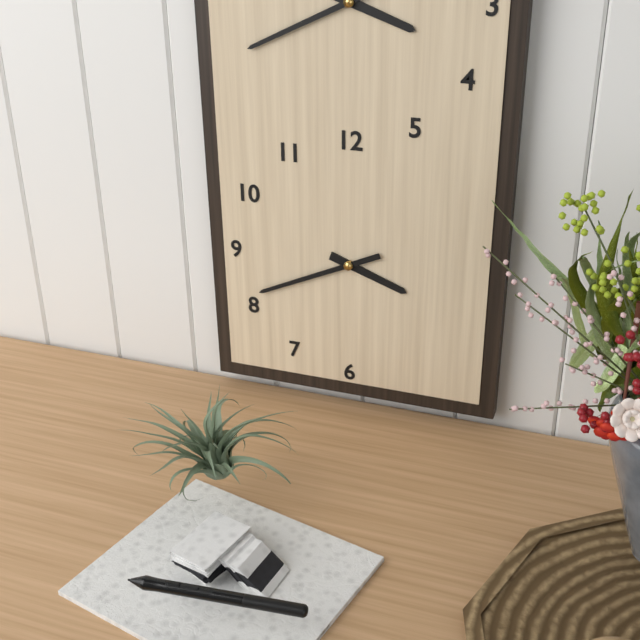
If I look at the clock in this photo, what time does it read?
3:41
